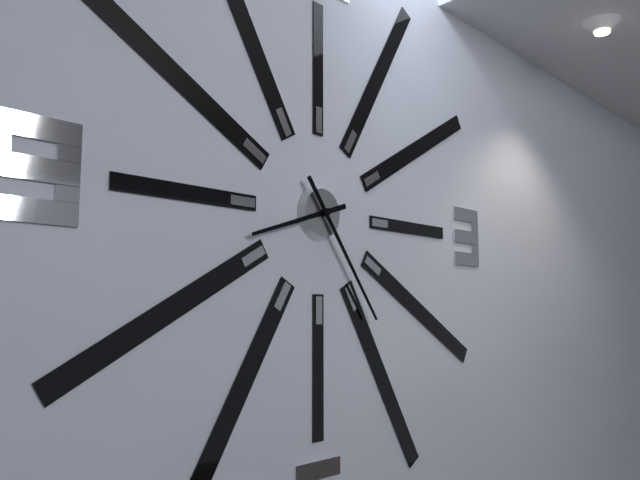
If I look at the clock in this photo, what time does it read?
8:24
